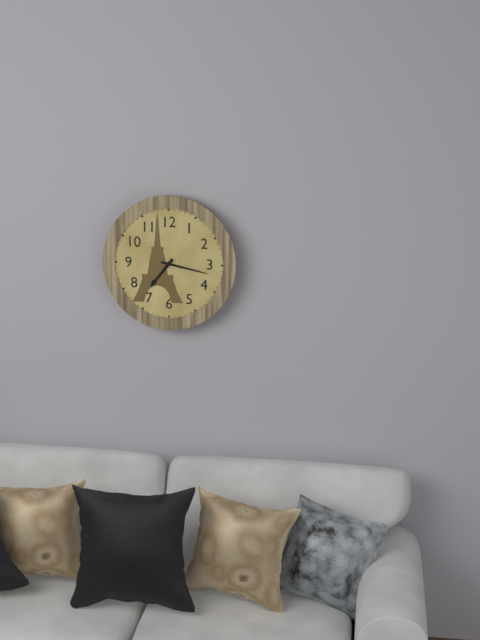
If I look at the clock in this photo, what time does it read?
7:17
